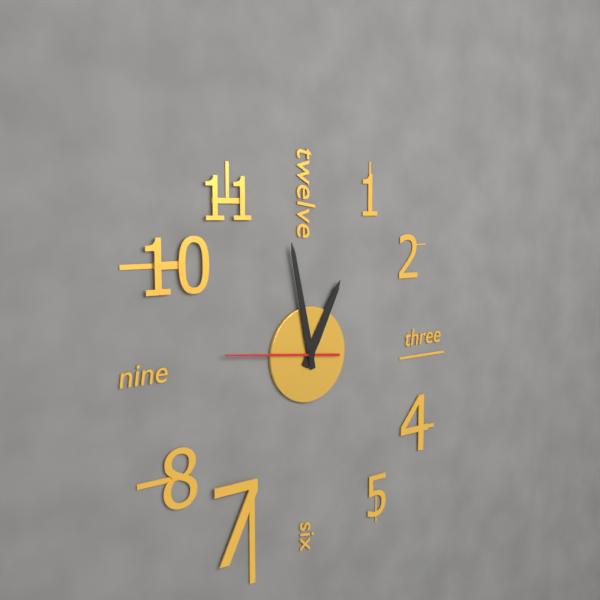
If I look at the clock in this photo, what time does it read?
12:58:46
